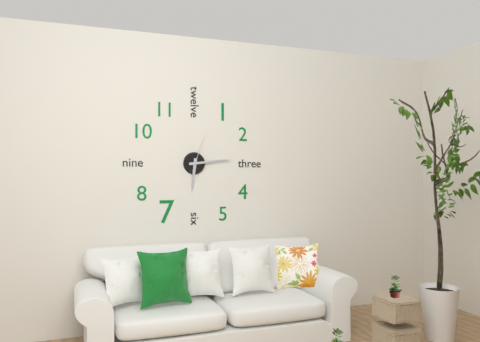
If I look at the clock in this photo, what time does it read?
6:14
